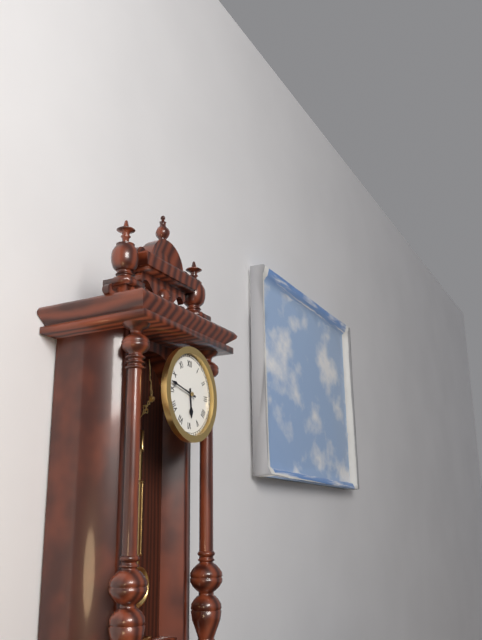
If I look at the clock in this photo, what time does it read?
5:47
